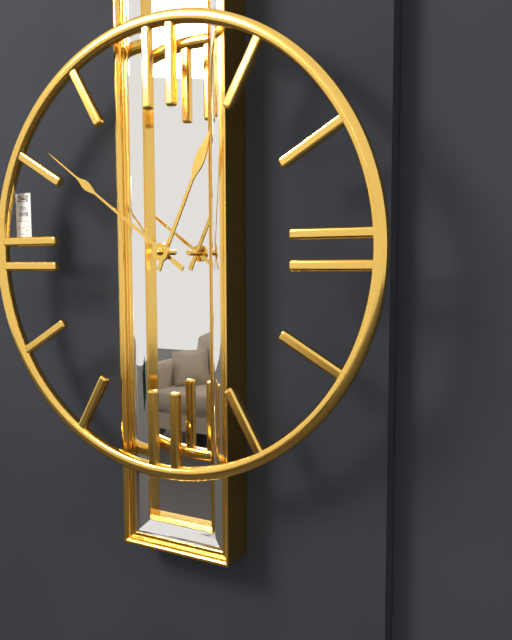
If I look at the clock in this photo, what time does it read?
12:51
